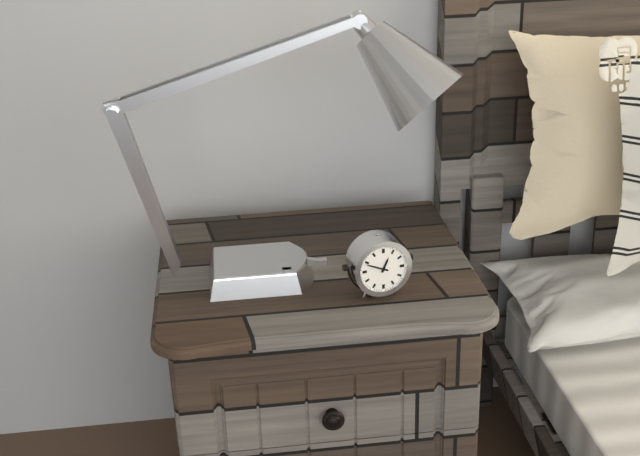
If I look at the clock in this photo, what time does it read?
12:49
